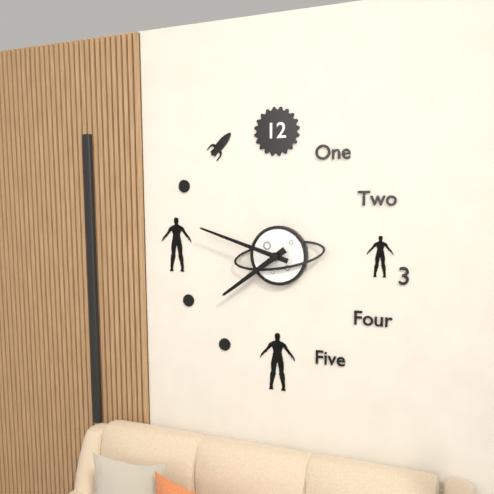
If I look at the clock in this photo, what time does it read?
7:48
